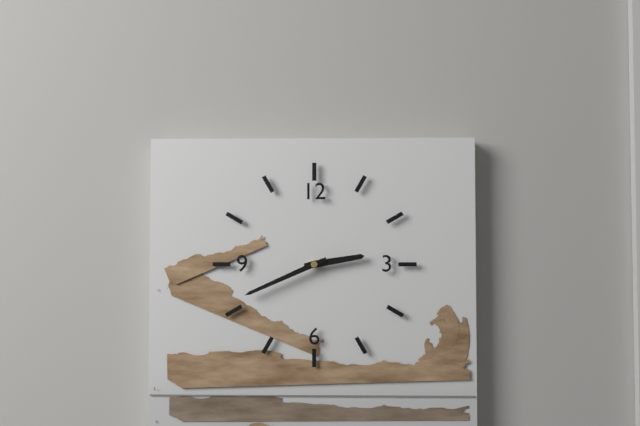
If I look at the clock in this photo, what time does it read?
2:41
